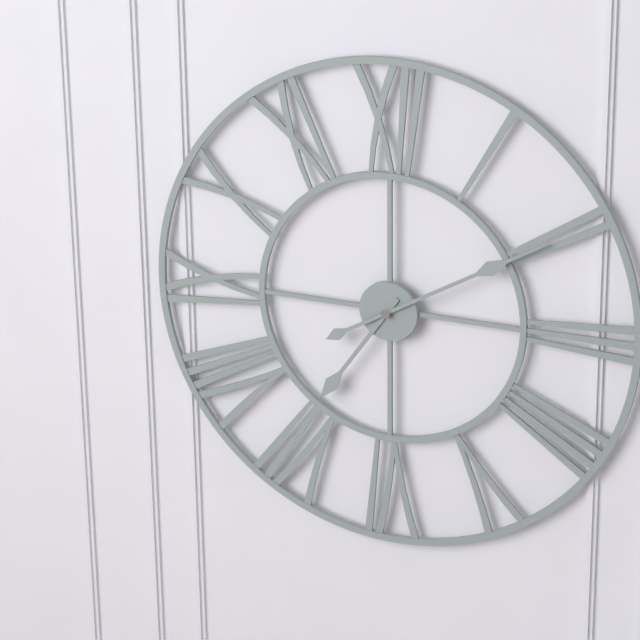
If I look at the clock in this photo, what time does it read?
7:10
